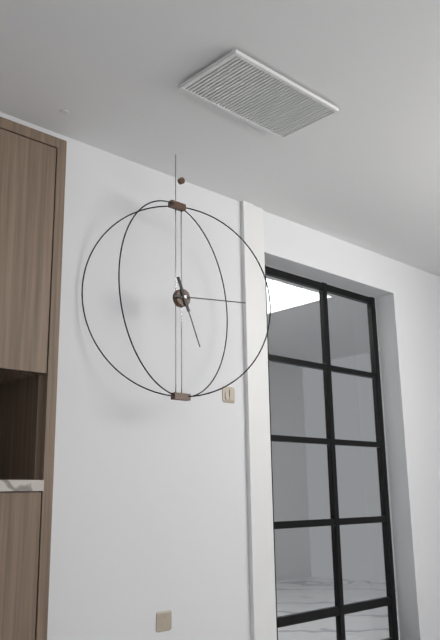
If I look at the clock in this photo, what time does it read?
5:14
